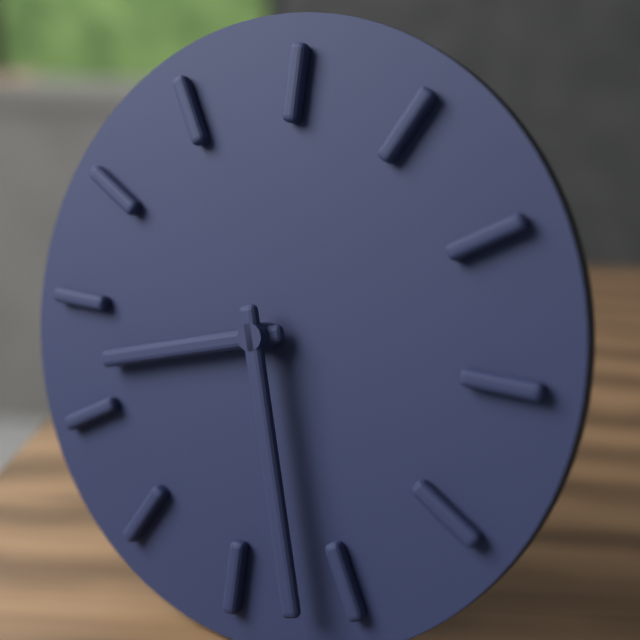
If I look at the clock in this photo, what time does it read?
8:27
